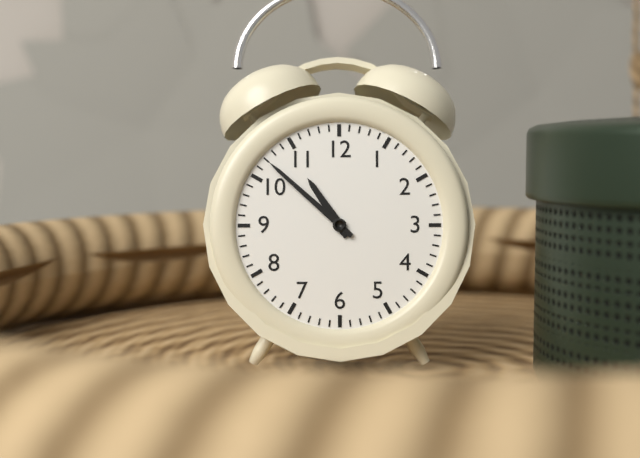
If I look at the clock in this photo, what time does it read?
10:52
